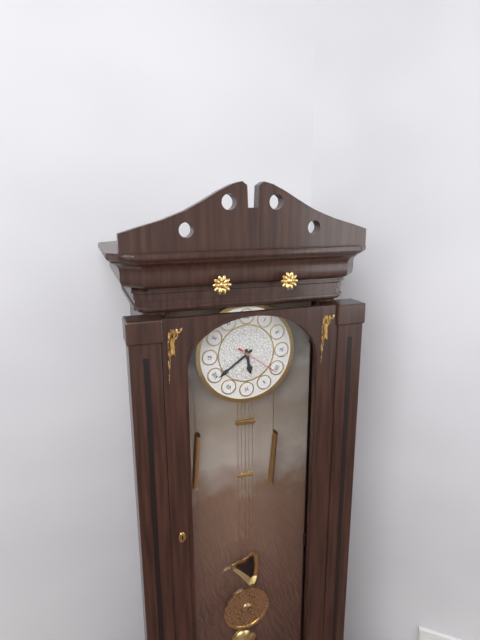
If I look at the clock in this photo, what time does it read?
5:39
